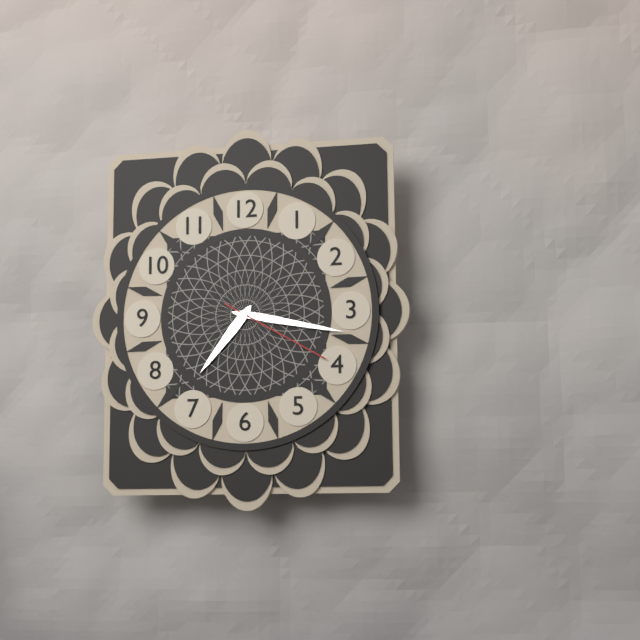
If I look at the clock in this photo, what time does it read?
7:17:20
